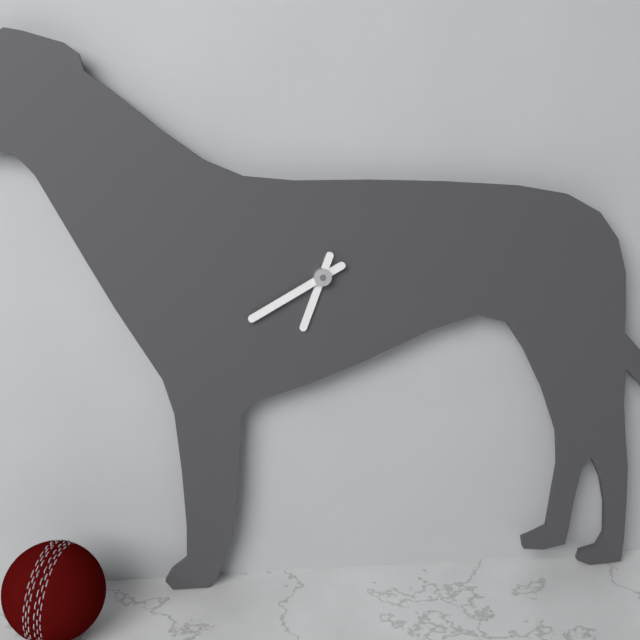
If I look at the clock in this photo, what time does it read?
6:40
